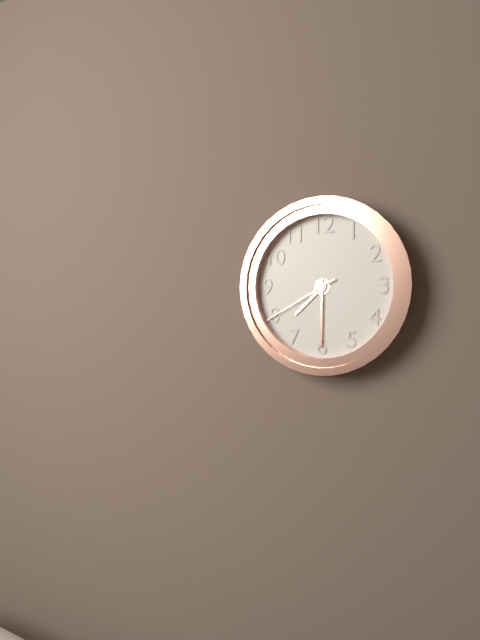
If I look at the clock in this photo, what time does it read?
7:30:40
